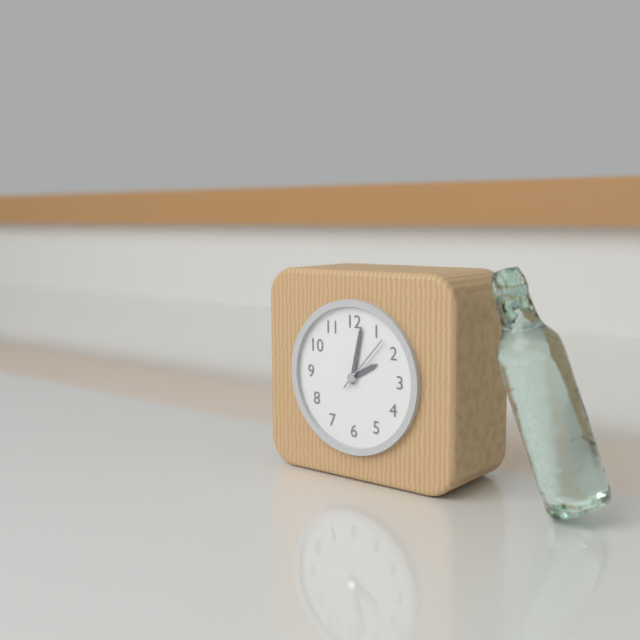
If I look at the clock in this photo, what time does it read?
2:02:07
